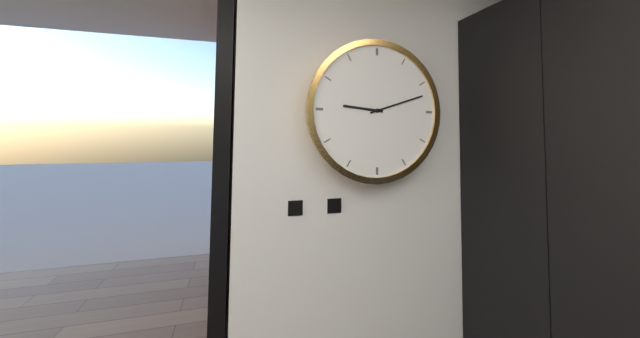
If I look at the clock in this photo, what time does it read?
9:12
